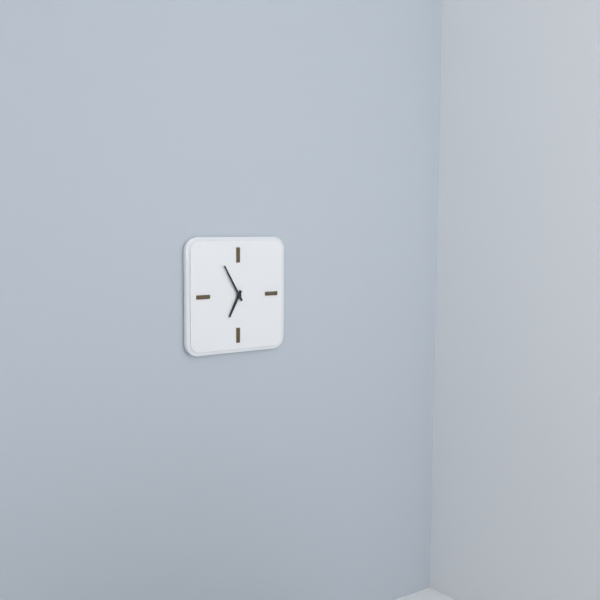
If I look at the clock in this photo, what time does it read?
6:55
